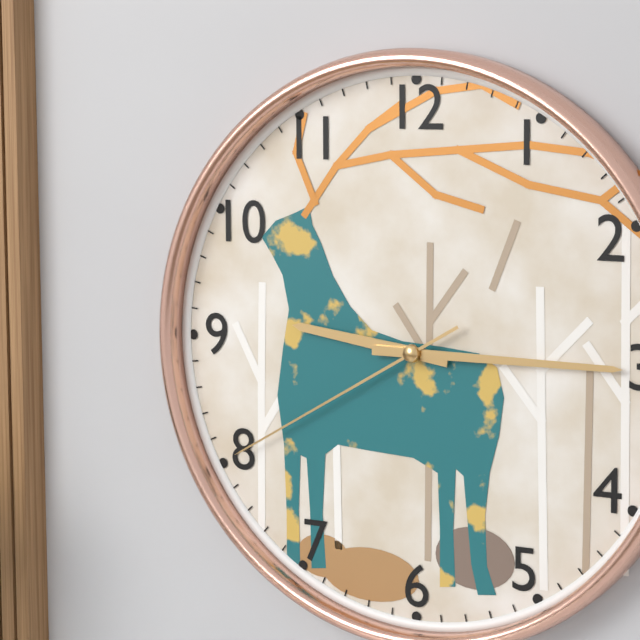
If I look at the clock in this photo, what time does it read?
9:15:40
